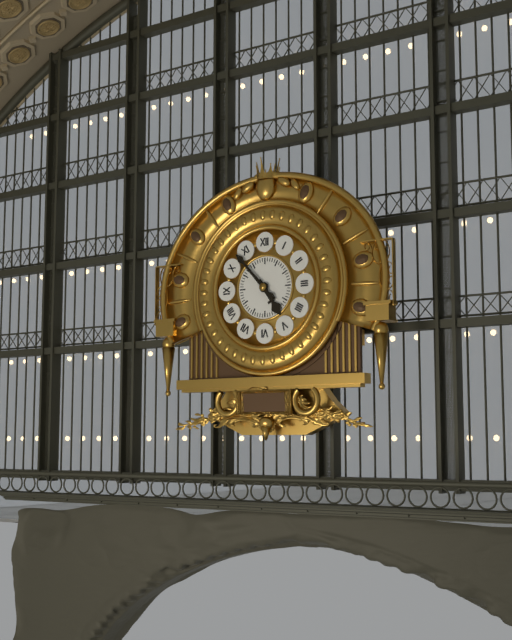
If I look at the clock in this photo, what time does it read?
4:53
